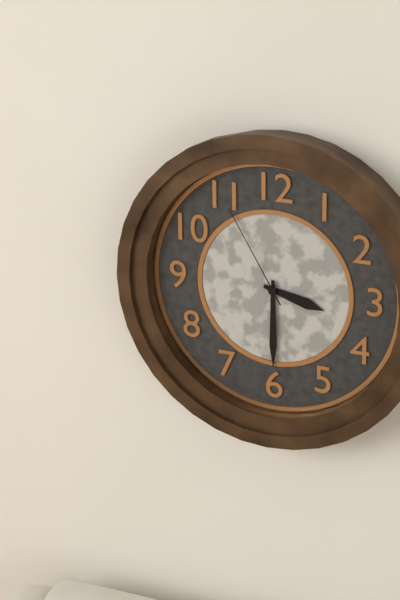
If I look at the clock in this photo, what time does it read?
3:30:55
